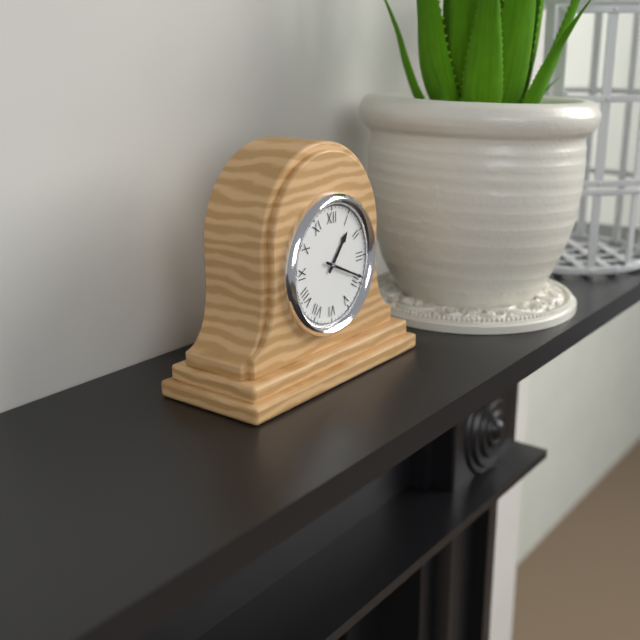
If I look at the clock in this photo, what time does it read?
1:19
